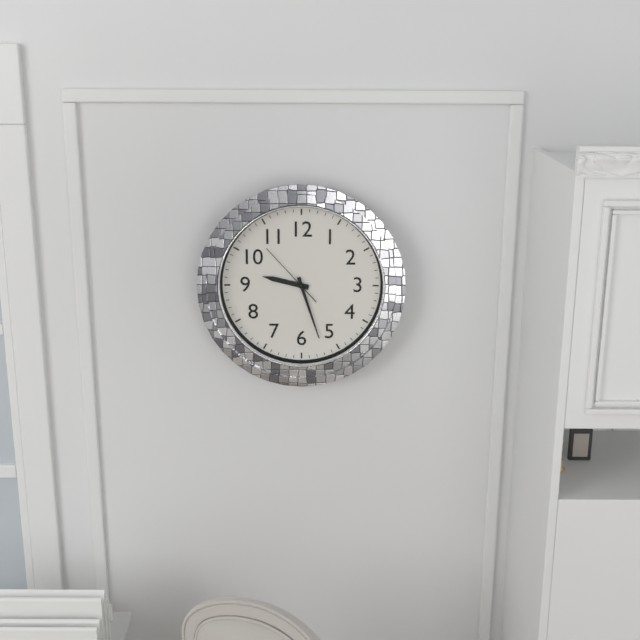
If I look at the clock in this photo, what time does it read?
9:27:53
